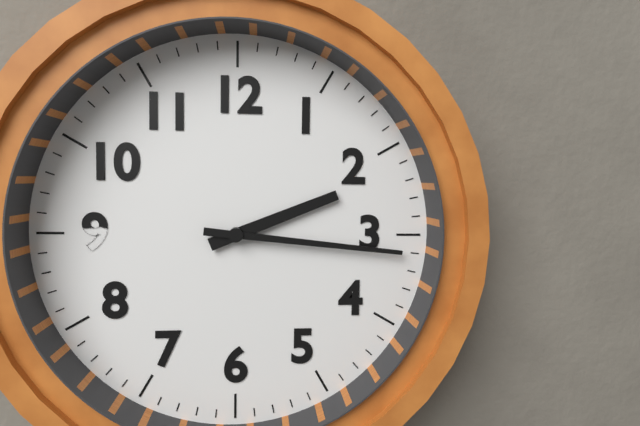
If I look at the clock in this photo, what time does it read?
2:16
